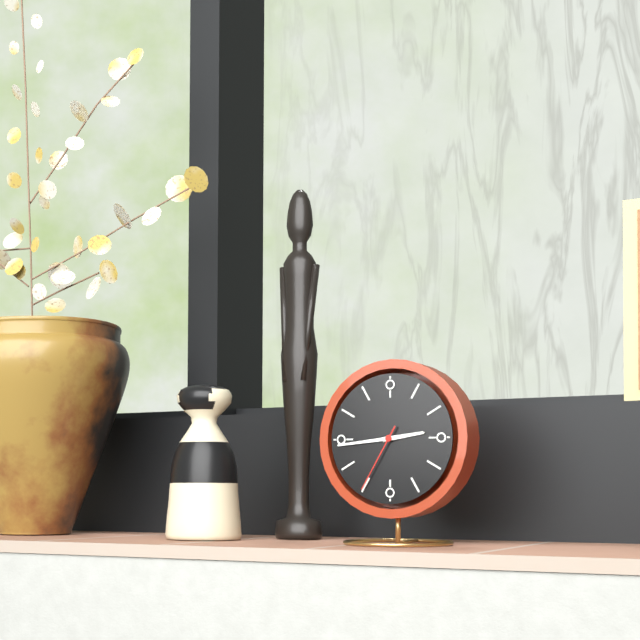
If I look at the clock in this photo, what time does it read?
2:44:35
